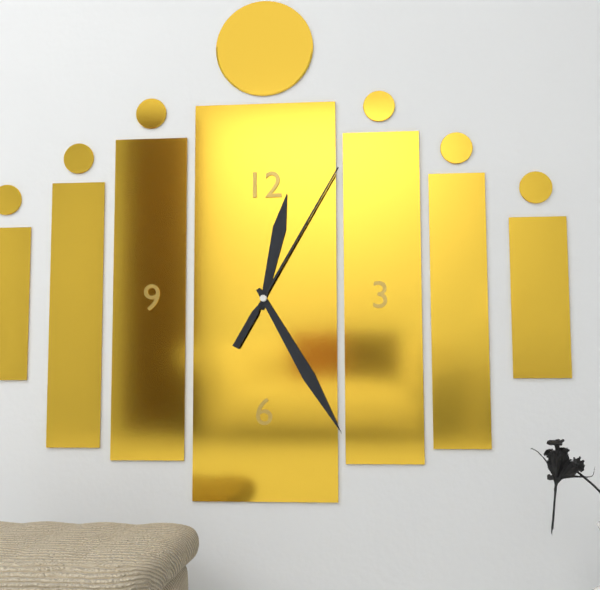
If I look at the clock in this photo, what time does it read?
12:25:05
